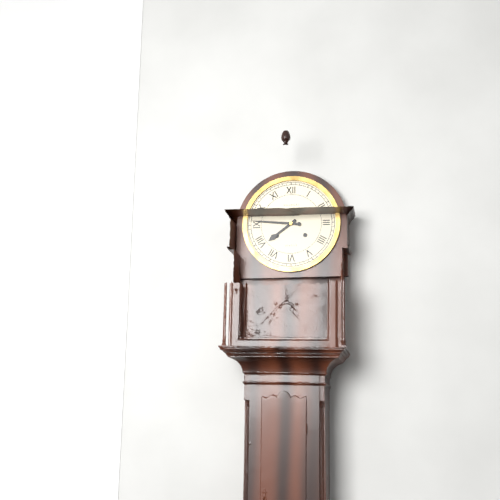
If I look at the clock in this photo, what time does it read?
7:46
